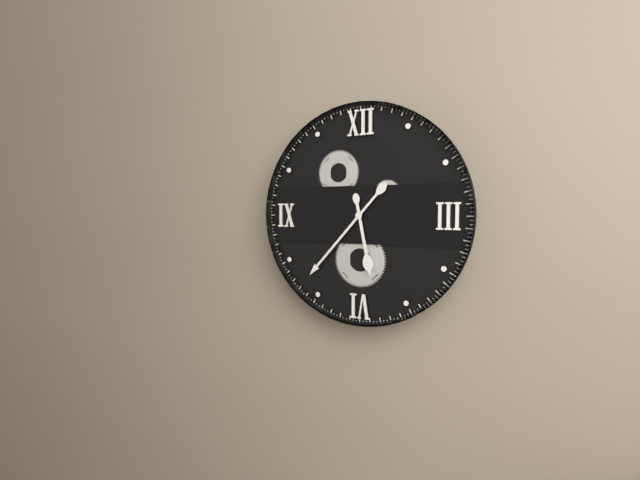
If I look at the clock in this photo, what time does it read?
5:37
